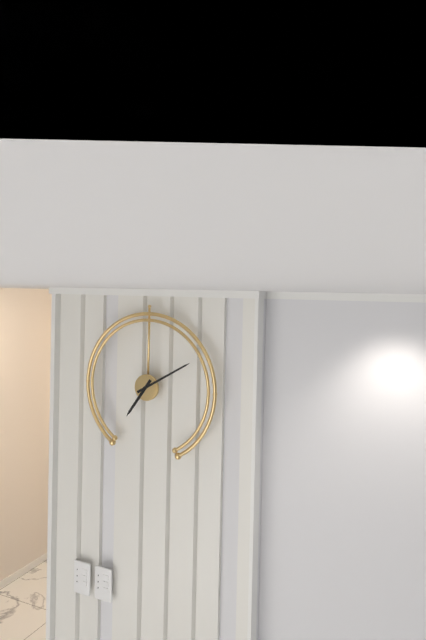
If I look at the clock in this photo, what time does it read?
7:10
